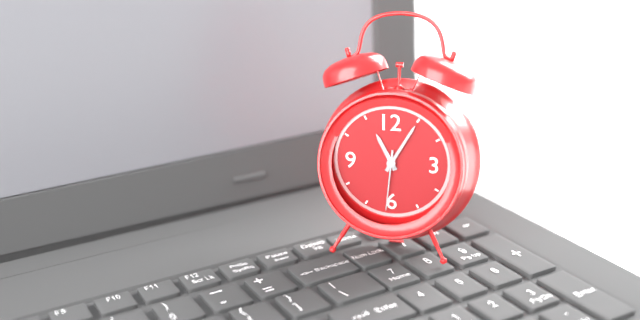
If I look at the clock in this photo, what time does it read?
11:05:31
